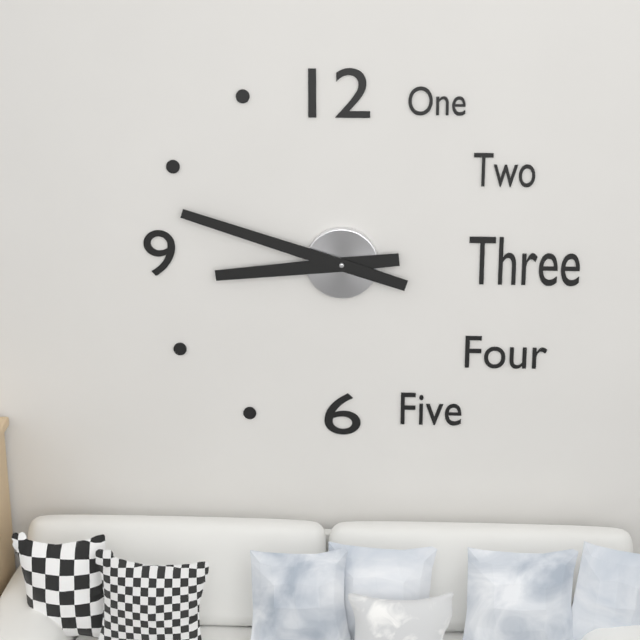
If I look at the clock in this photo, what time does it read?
8:48
